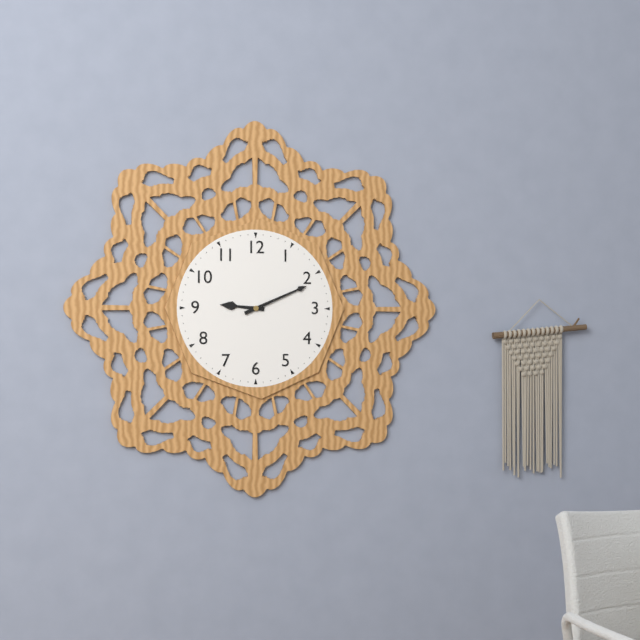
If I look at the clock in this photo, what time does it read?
9:11
